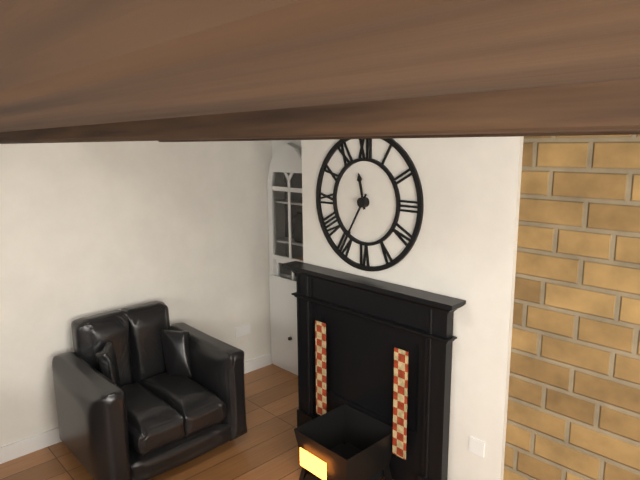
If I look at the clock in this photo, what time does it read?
11:35
